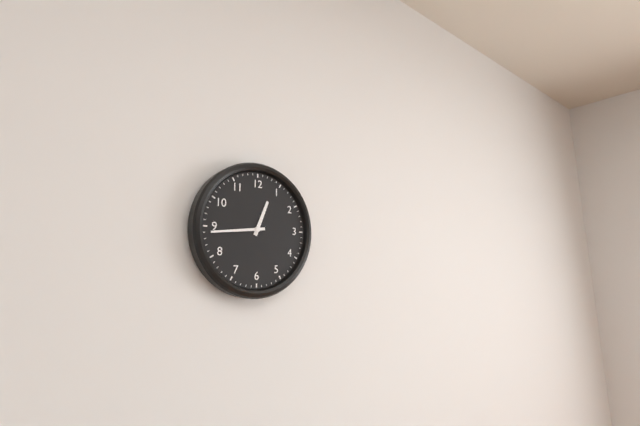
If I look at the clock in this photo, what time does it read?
12:44
